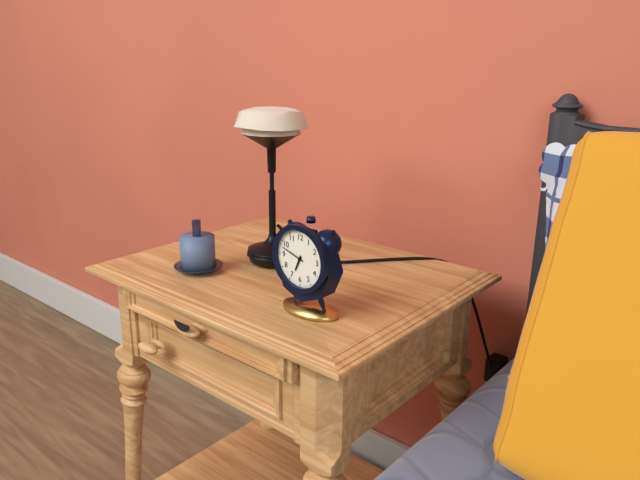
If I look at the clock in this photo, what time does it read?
6:48
